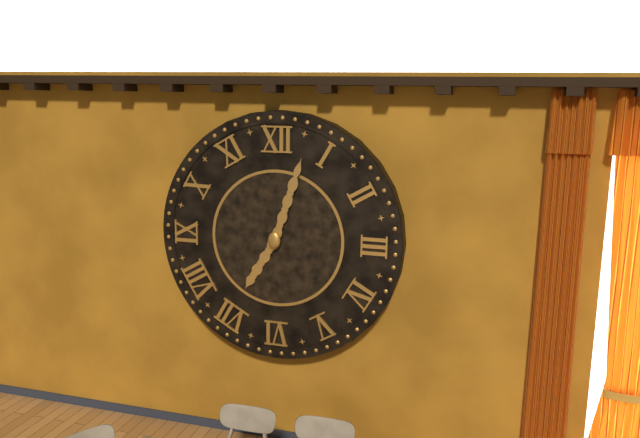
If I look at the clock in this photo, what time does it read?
7:03
